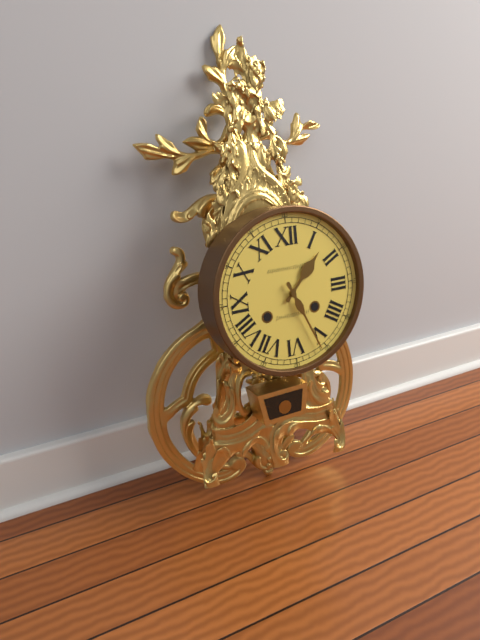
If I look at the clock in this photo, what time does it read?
1:26
